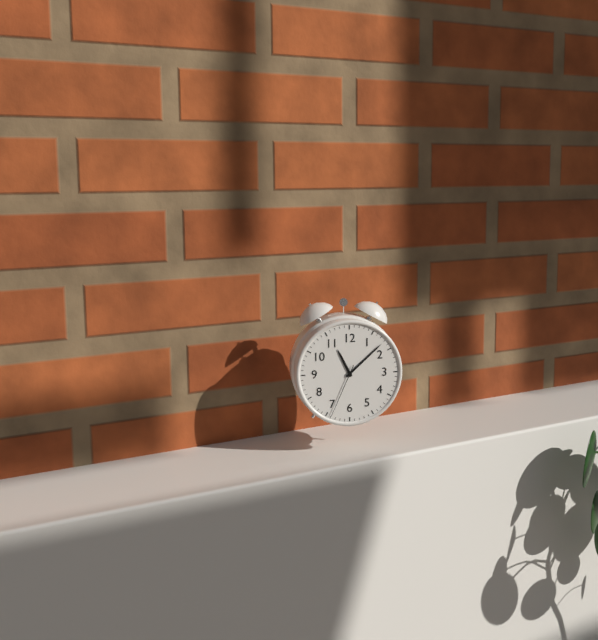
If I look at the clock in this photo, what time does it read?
11:08:34
